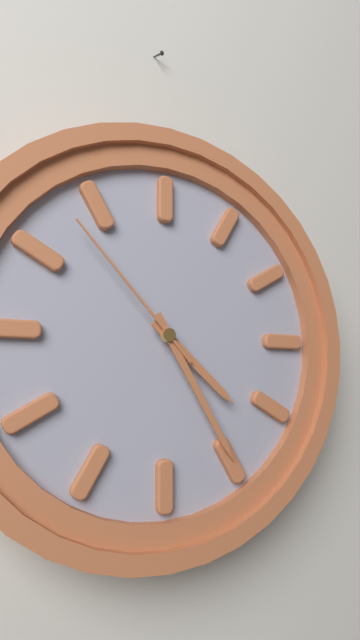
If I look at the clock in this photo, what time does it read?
4:25:53
